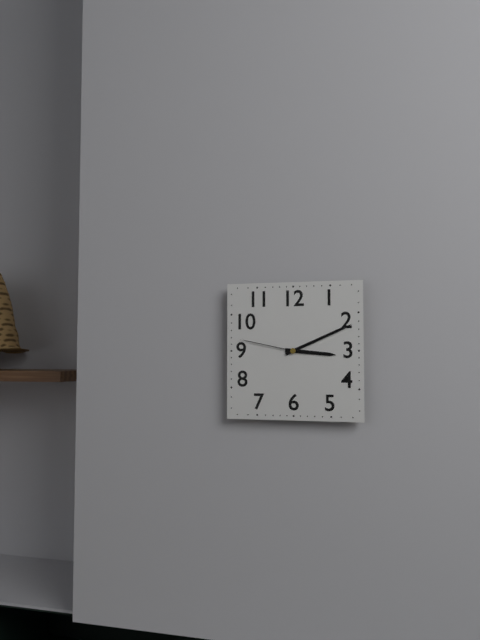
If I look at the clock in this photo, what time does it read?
3:11:47
